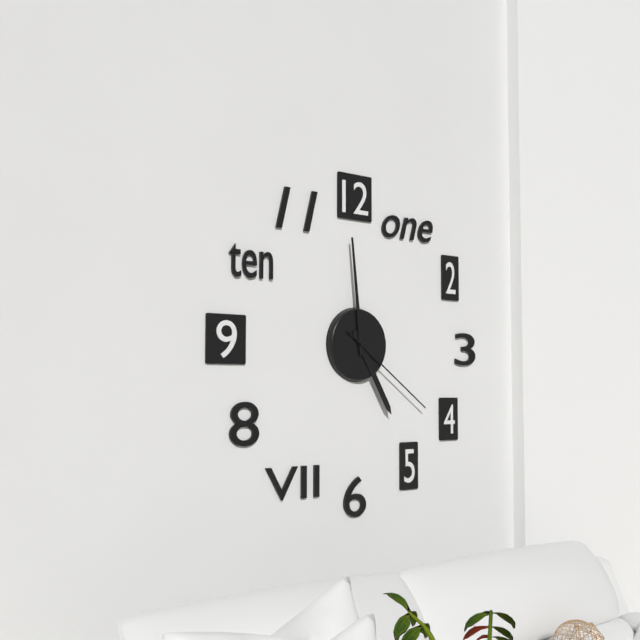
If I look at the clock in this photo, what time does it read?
4:59:21
